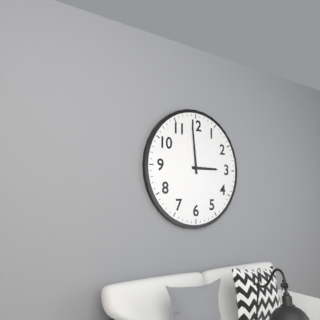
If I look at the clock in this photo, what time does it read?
2:59
